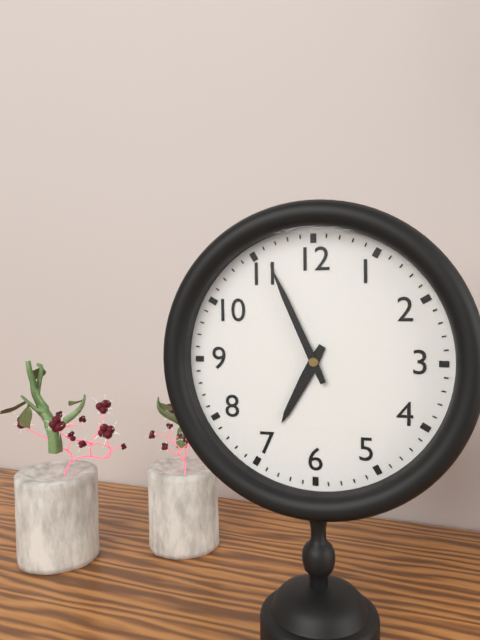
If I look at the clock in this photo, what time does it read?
6:56
